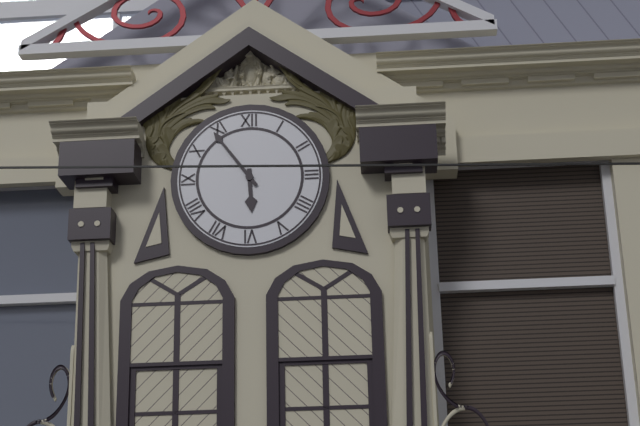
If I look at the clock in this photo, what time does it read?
5:54
